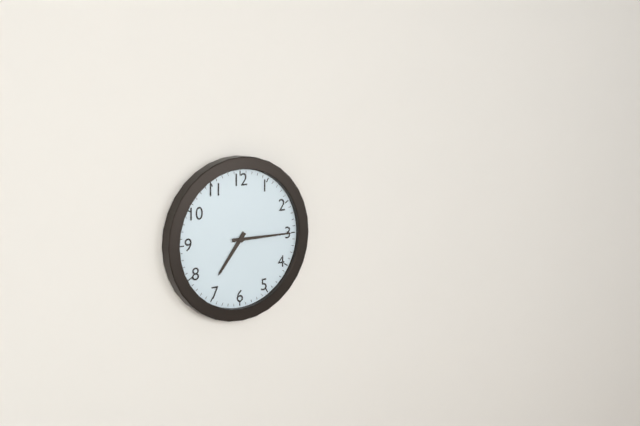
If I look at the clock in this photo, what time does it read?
7:15
